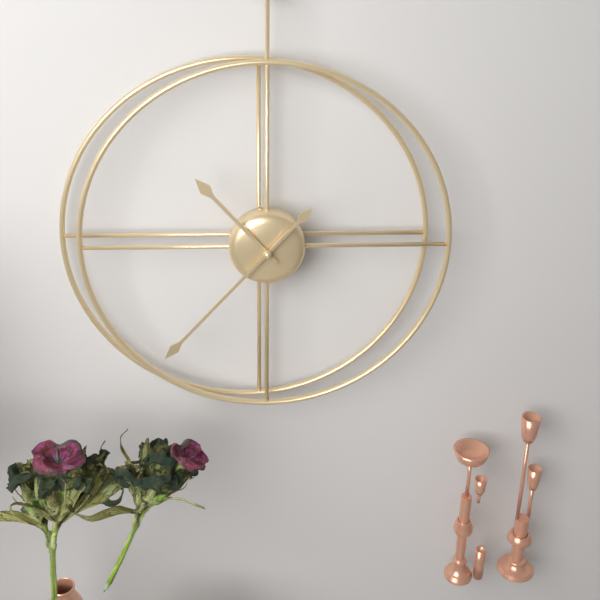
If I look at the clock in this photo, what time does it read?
10:37
